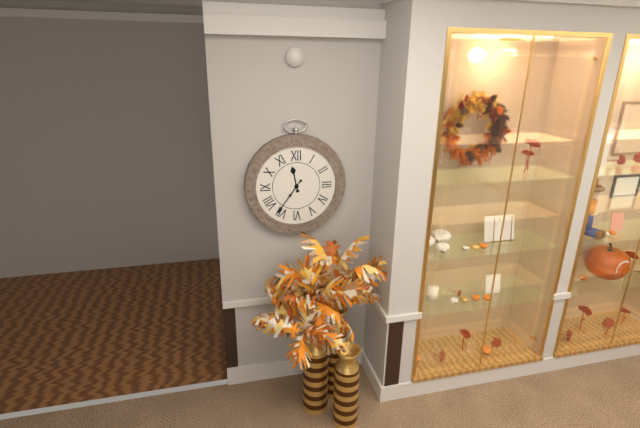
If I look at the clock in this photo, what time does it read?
11:36
